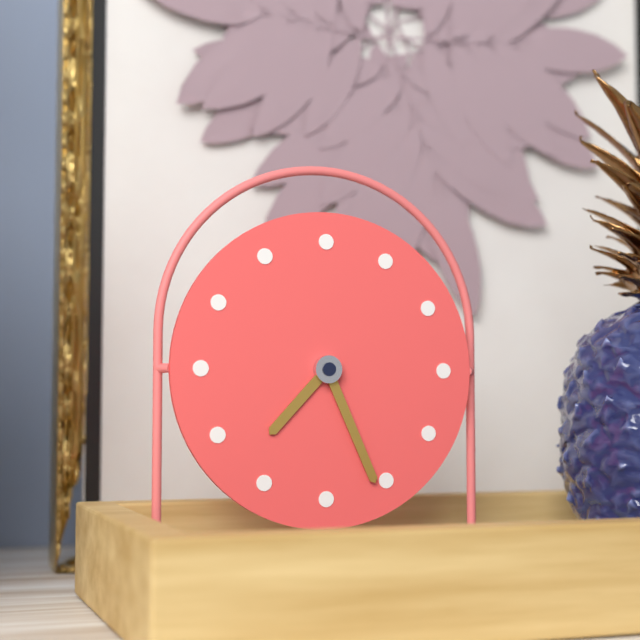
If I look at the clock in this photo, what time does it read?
7:26
